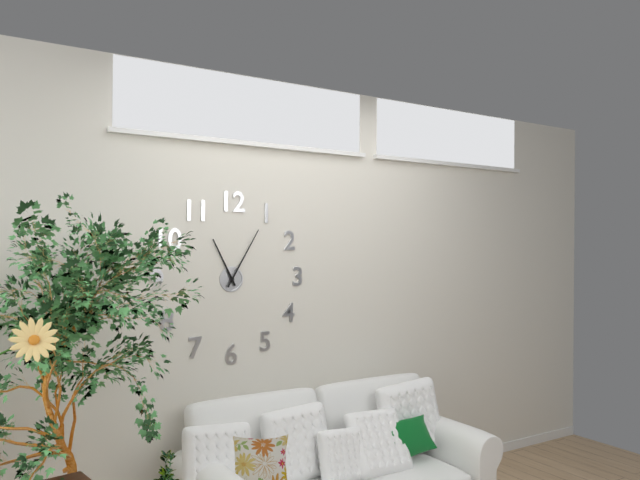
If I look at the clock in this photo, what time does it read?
11:05
